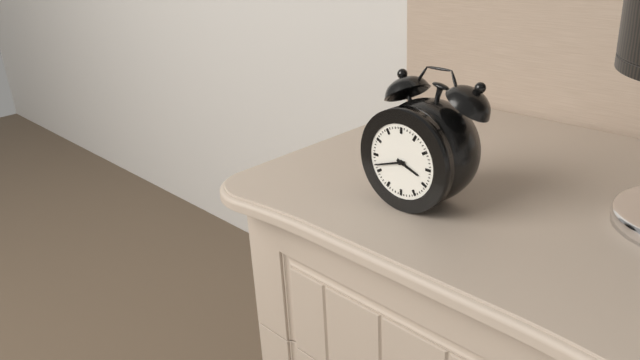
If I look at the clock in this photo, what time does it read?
3:42
